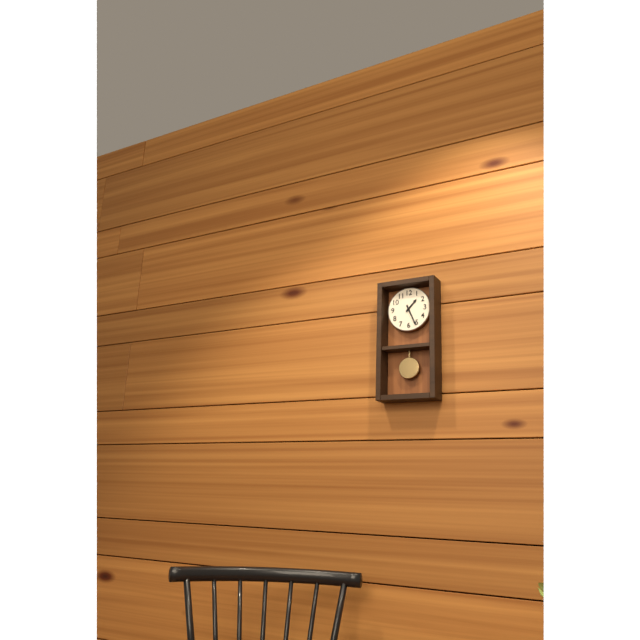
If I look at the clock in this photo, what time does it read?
1:26
